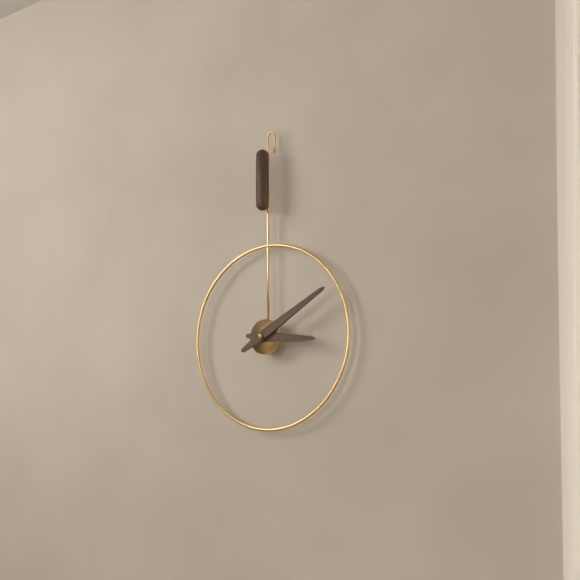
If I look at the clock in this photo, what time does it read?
3:10
